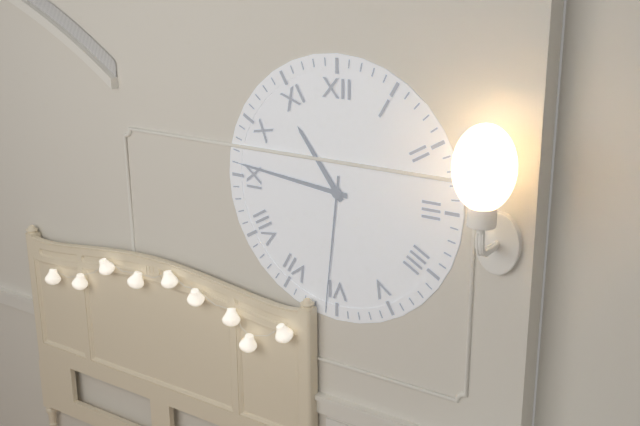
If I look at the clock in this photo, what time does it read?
10:46:31
